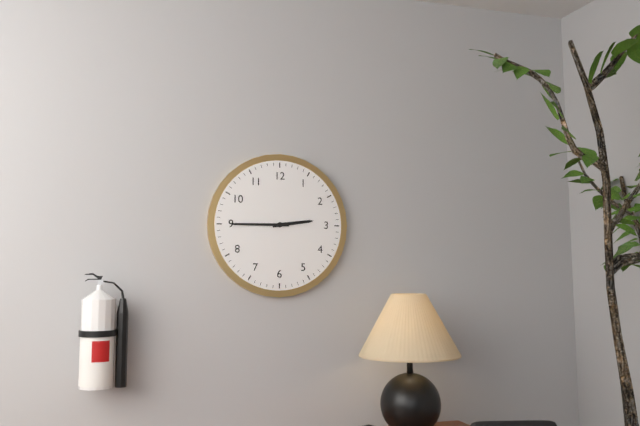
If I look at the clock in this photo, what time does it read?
2:45
